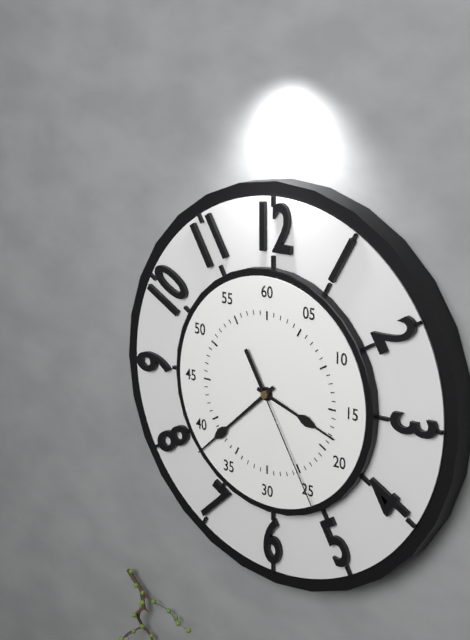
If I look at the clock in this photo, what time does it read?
3:38:25
